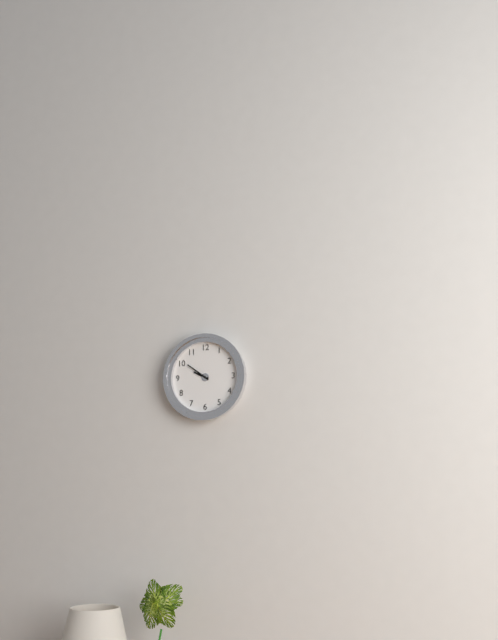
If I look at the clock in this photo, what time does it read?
9:51
